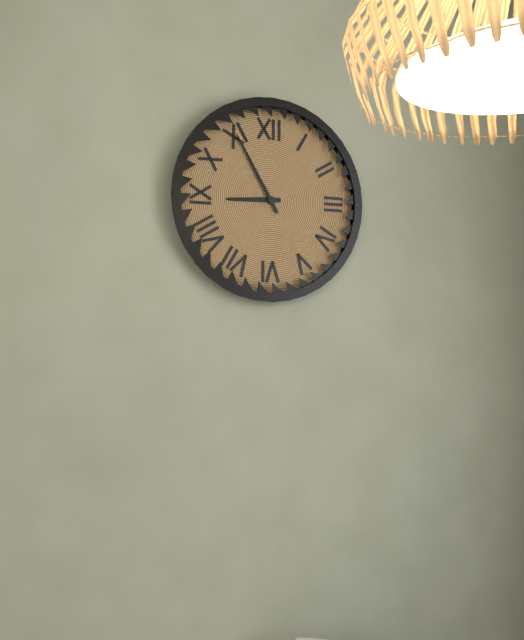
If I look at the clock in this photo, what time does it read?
8:55
